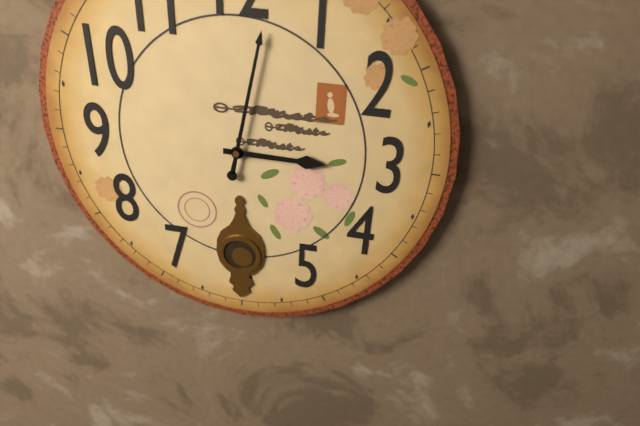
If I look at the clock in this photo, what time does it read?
3:02
